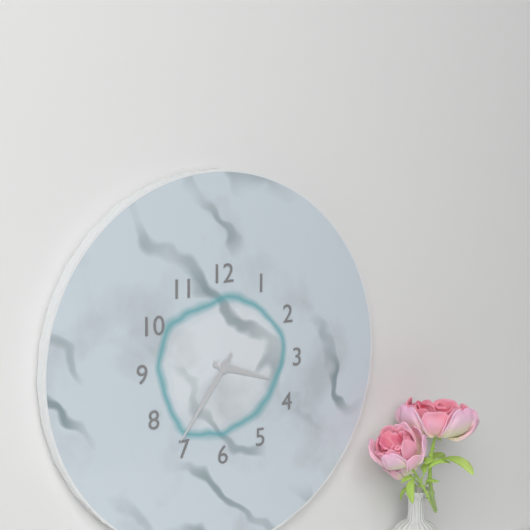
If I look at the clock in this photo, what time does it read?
3:36
